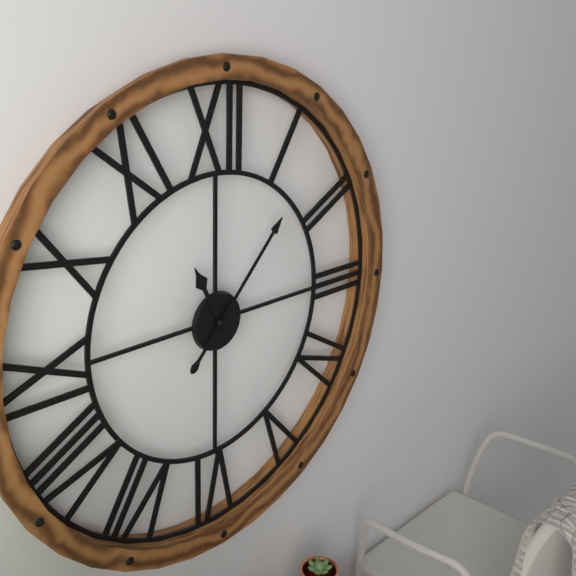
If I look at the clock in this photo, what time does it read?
11:07
